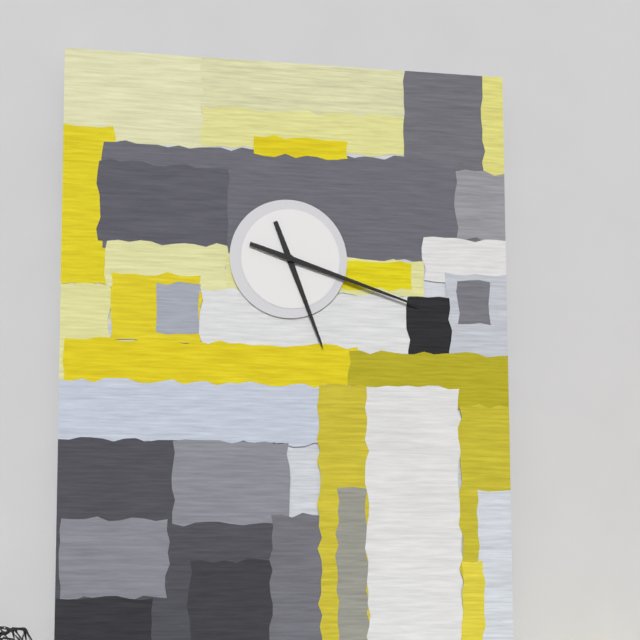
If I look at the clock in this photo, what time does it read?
5:18
